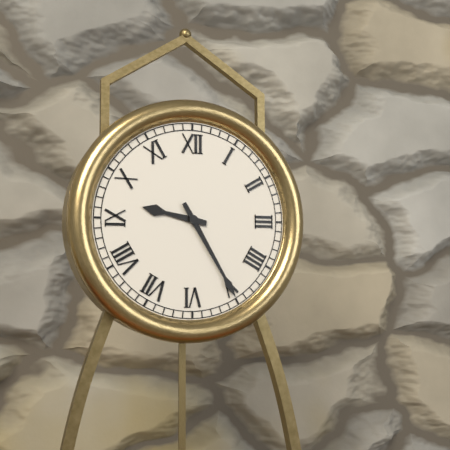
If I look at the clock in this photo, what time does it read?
9:25
